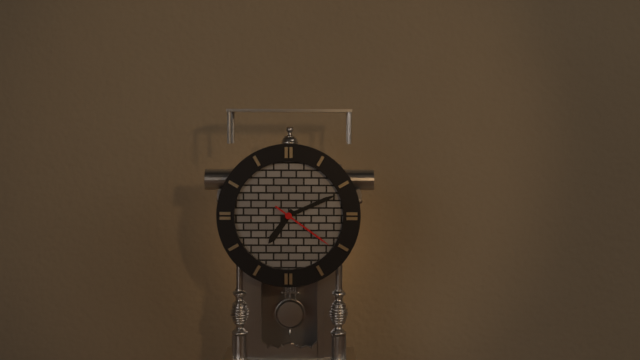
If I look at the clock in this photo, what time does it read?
7:11:21
